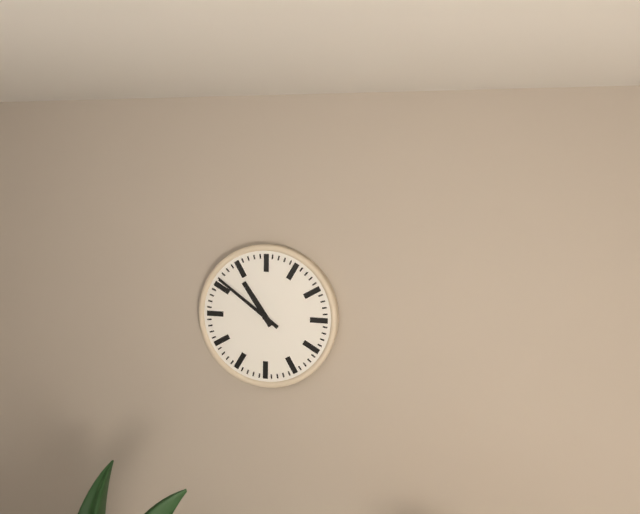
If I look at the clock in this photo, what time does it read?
10:51
